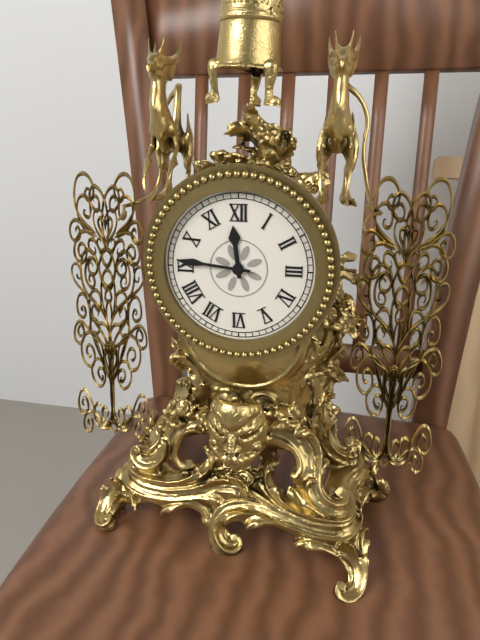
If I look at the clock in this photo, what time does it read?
11:46
